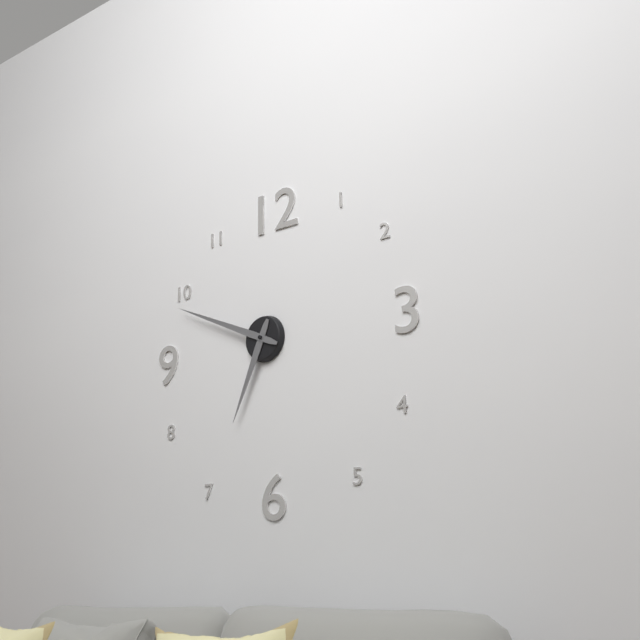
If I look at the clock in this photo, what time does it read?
6:49
